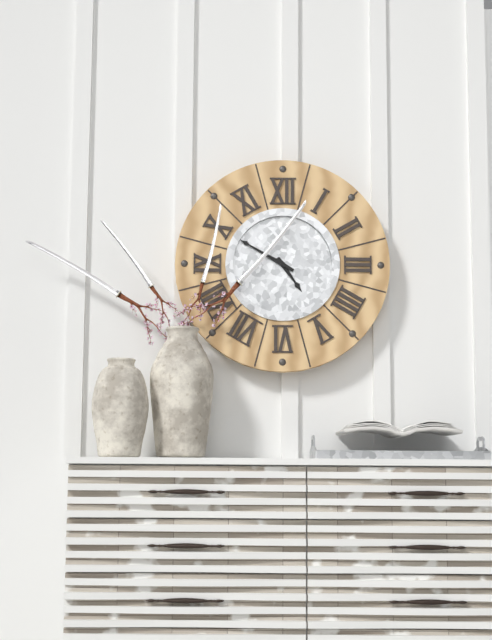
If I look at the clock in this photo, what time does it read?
4:50
